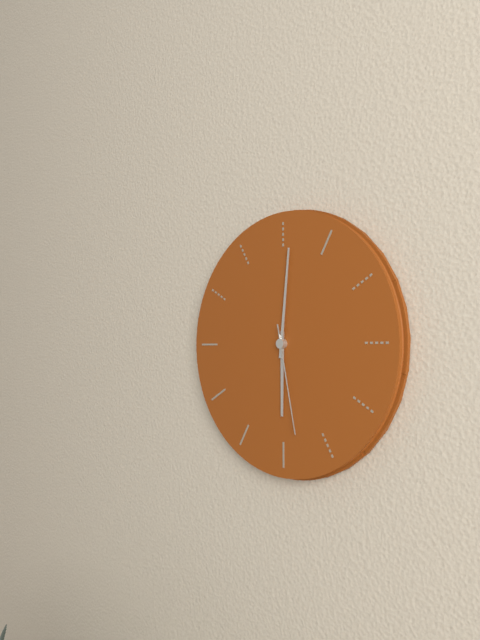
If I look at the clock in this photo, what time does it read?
6:01:28
